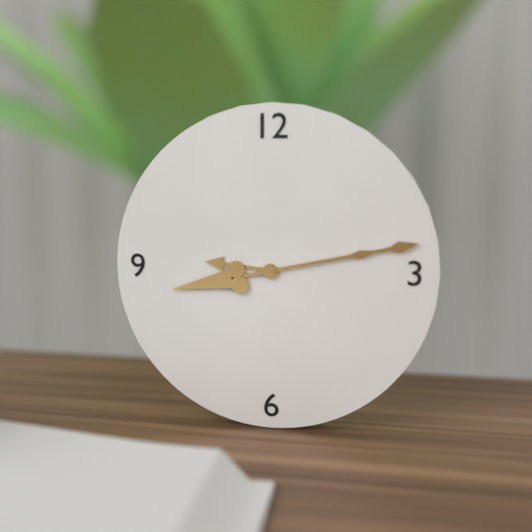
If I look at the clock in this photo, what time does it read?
9:13
